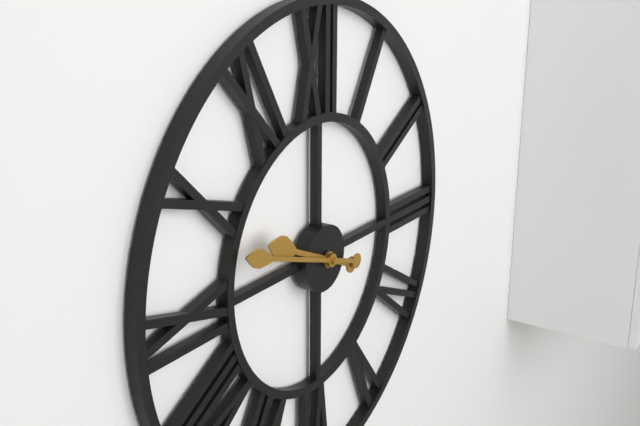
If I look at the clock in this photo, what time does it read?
9:48
